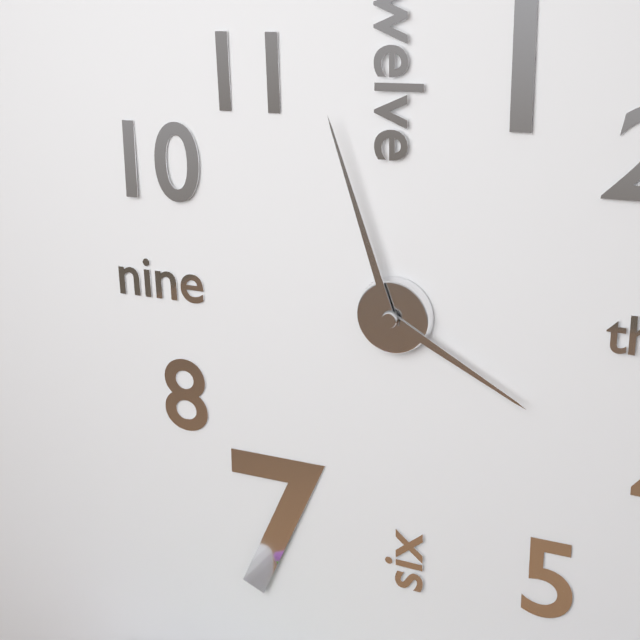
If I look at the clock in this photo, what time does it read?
3:57
